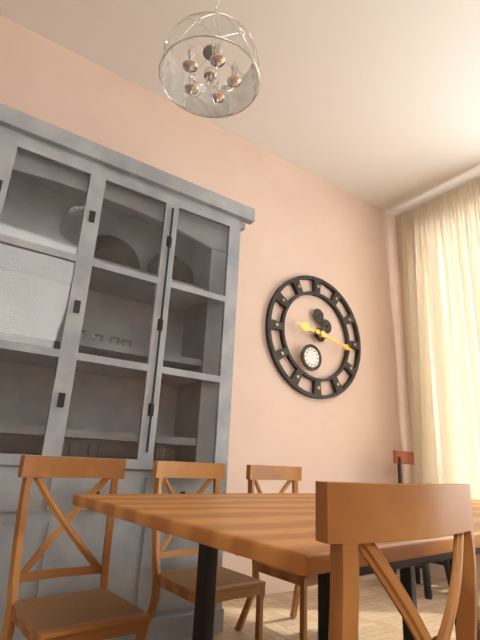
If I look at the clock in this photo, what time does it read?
9:17
